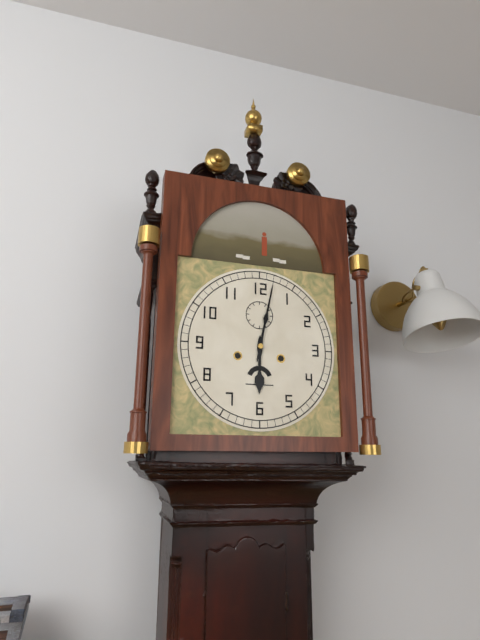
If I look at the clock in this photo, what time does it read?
6:02
